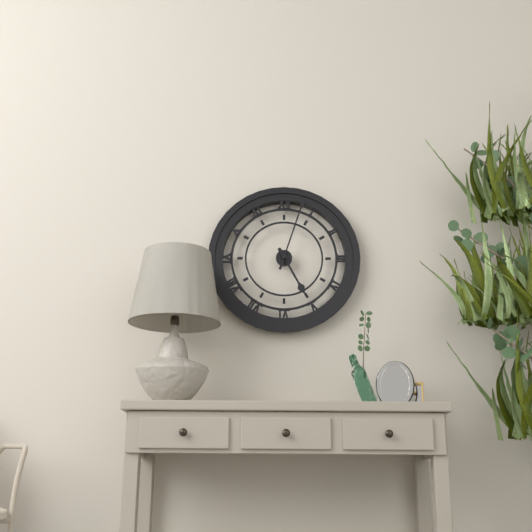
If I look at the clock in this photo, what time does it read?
5:03
